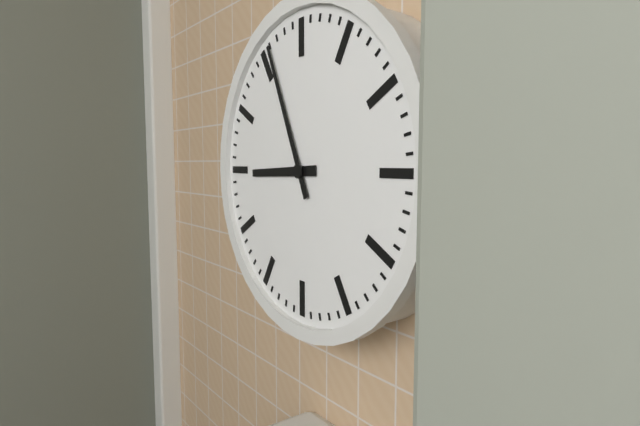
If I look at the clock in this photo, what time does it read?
8:56
